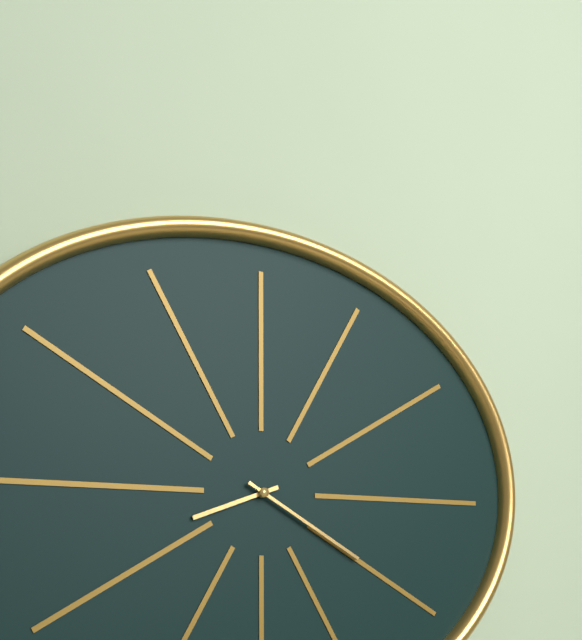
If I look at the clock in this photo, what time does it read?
8:20
